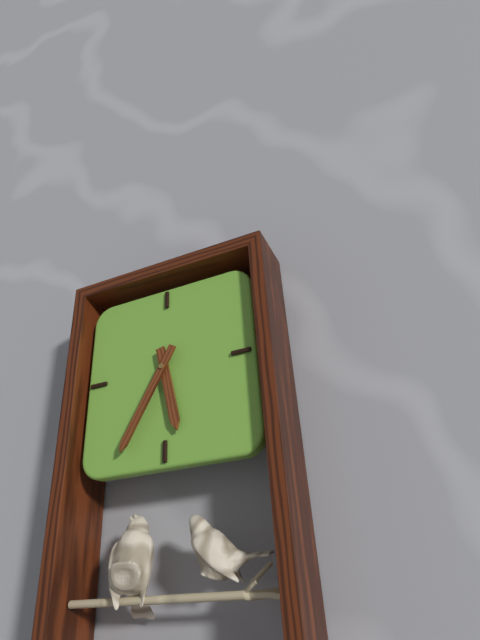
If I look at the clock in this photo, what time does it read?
5:35
